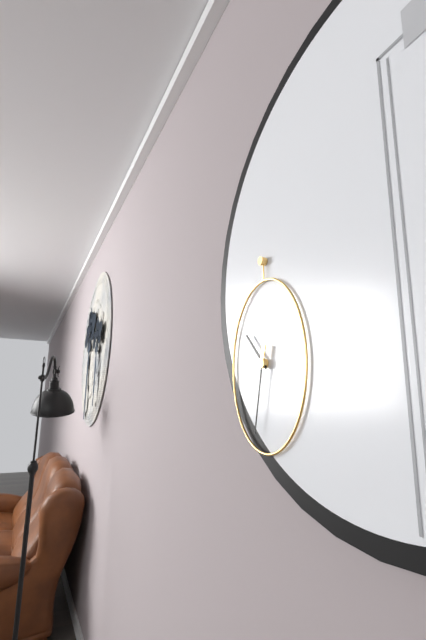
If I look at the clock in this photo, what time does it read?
10:32
